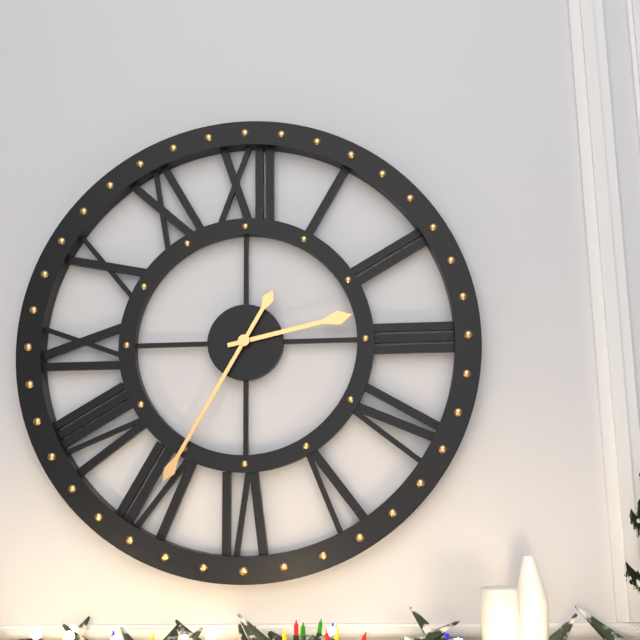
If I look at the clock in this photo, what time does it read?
2:35
